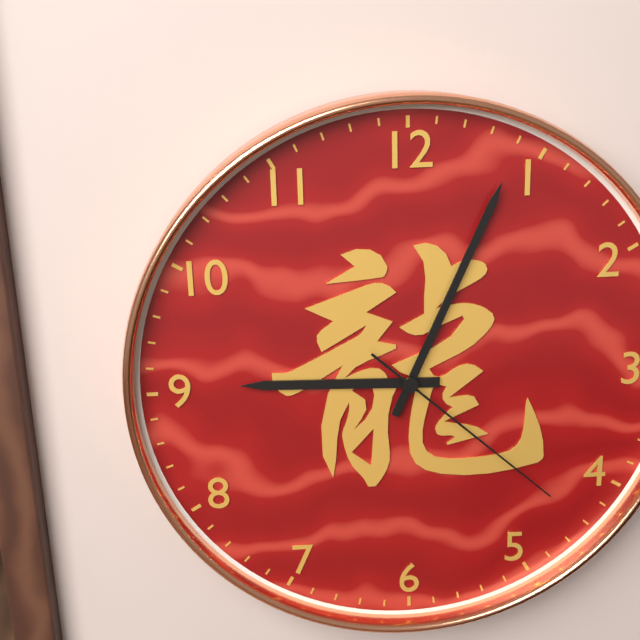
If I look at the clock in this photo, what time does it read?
9:04:22
